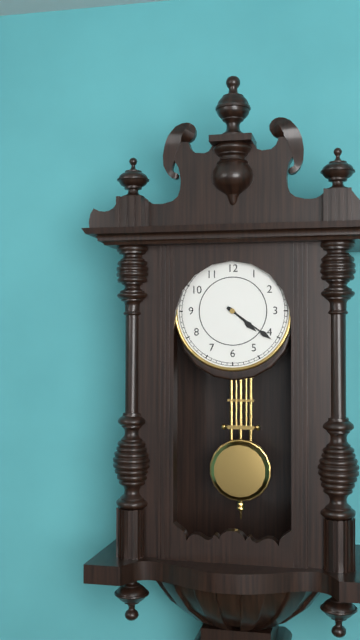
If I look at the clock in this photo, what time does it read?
4:21
